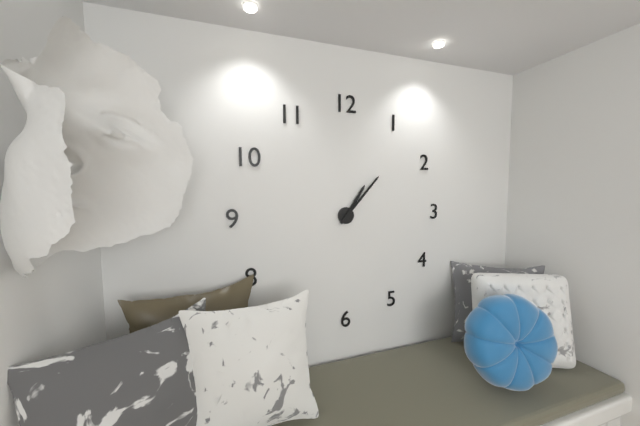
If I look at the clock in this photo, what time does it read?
1:07
